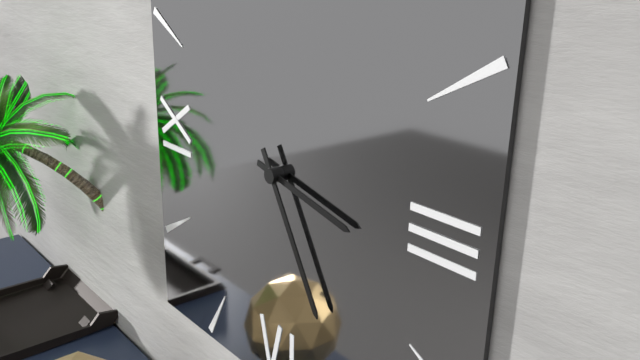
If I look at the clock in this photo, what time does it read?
3:25
